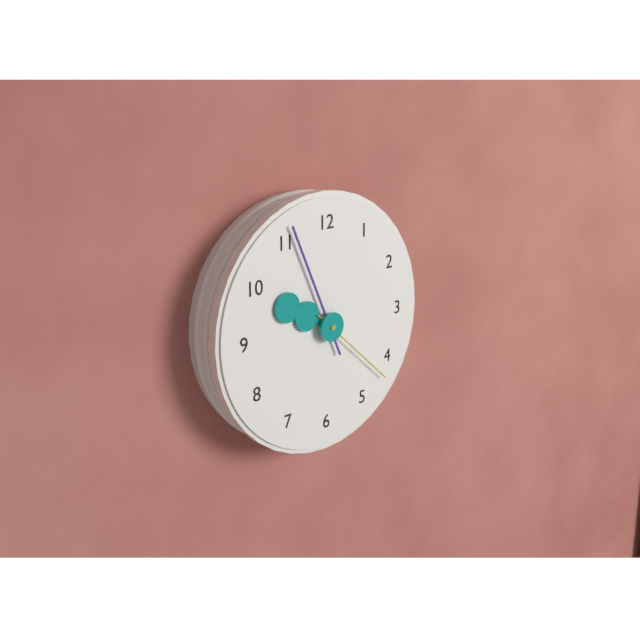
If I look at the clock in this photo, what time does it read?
9:56:22
